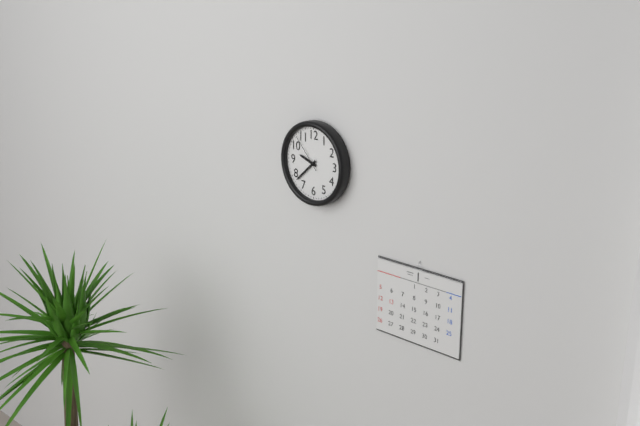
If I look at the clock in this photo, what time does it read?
9:38
